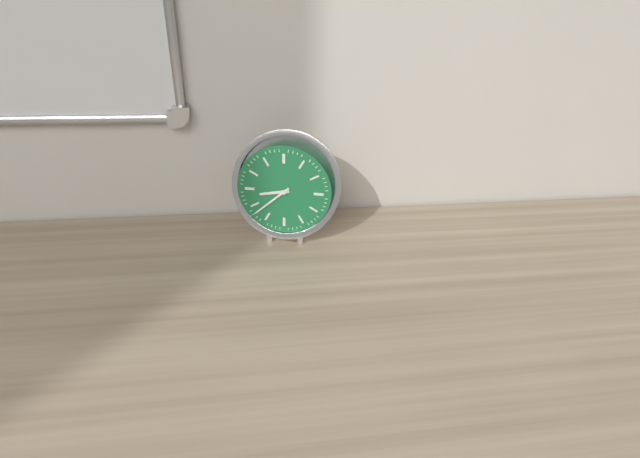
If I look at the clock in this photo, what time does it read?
8:38
